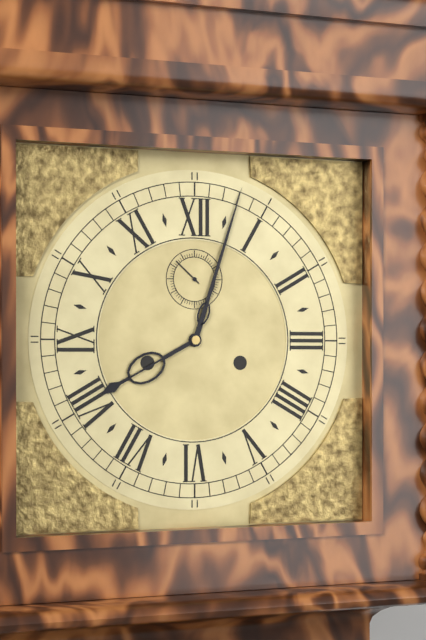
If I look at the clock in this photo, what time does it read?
8:03
